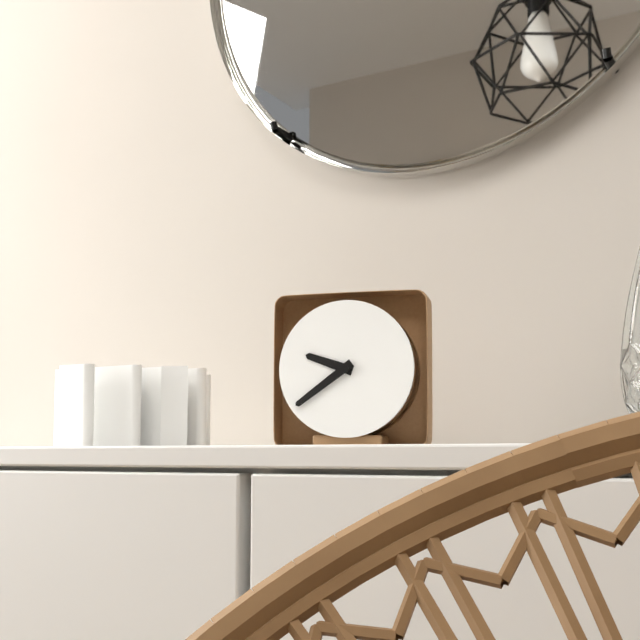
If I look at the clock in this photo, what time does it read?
9:39
